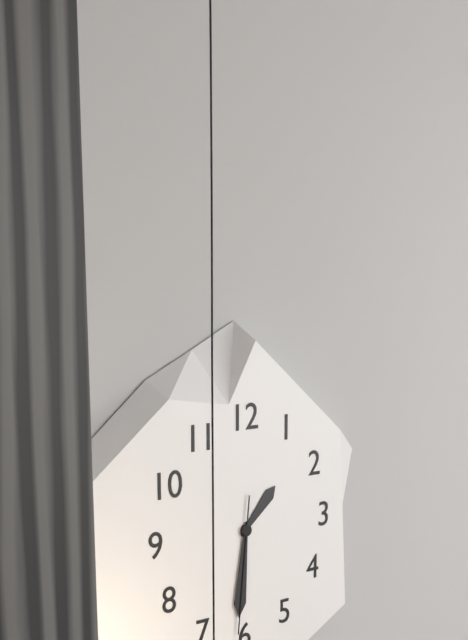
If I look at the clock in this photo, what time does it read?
1:31:31
